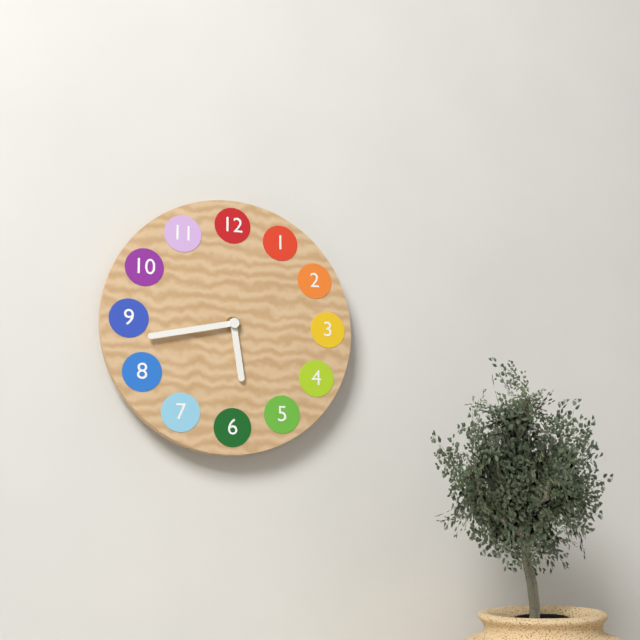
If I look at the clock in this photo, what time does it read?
5:43
